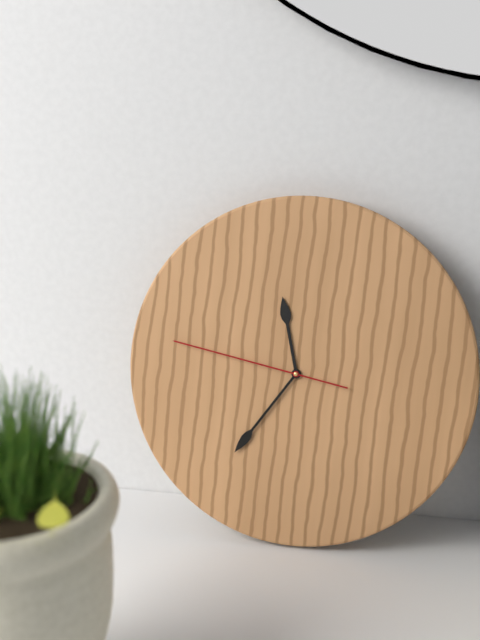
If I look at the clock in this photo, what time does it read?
11:36:47
